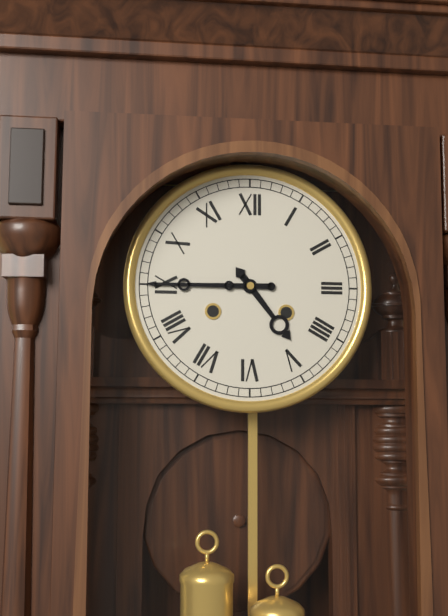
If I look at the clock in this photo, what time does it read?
4:45
